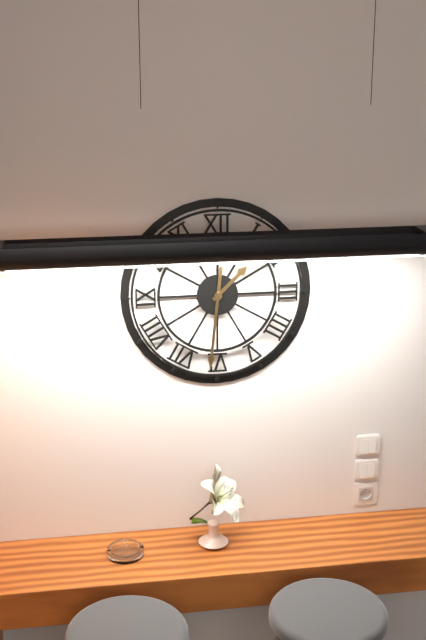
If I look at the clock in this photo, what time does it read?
1:31
